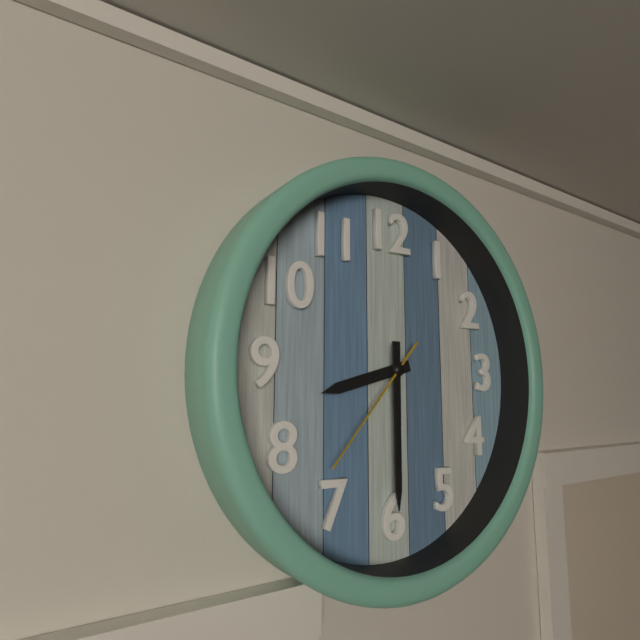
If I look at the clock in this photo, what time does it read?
8:30:37
